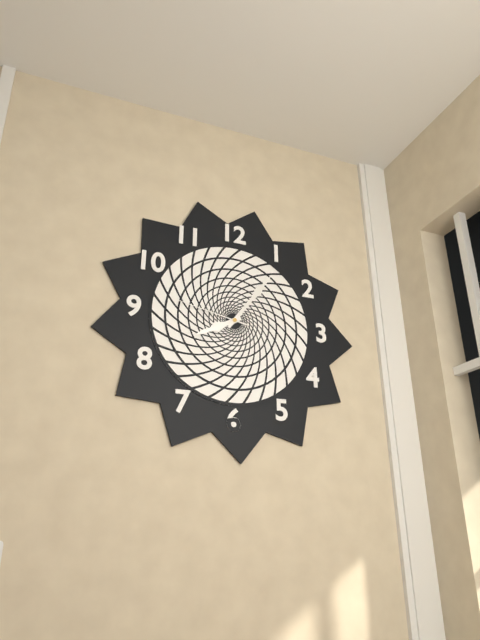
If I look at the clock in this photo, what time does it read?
8:06:47
